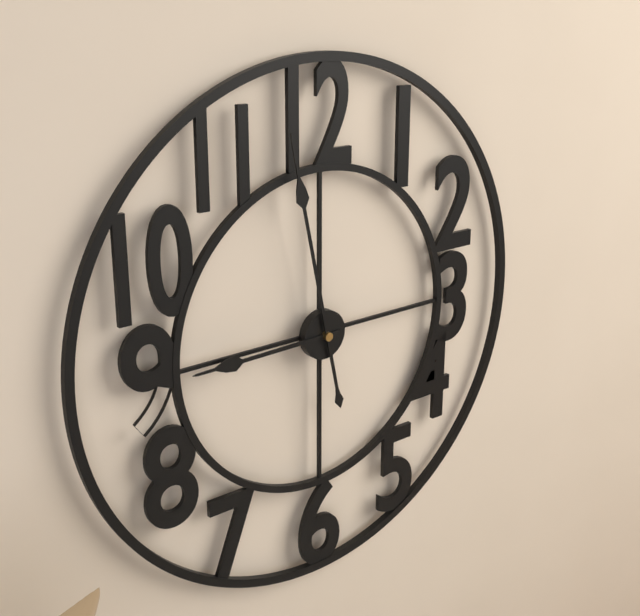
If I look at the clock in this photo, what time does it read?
8:58
